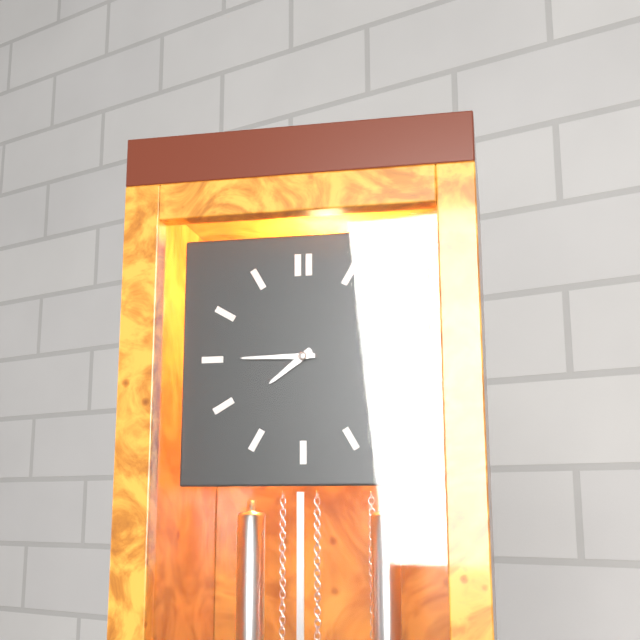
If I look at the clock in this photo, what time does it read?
7:45
